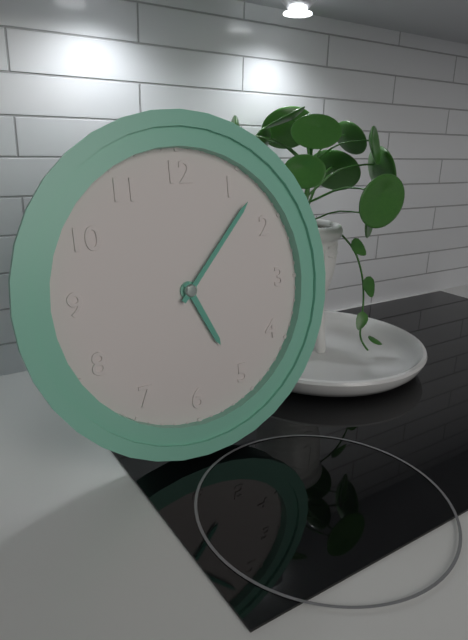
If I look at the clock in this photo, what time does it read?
5:07
